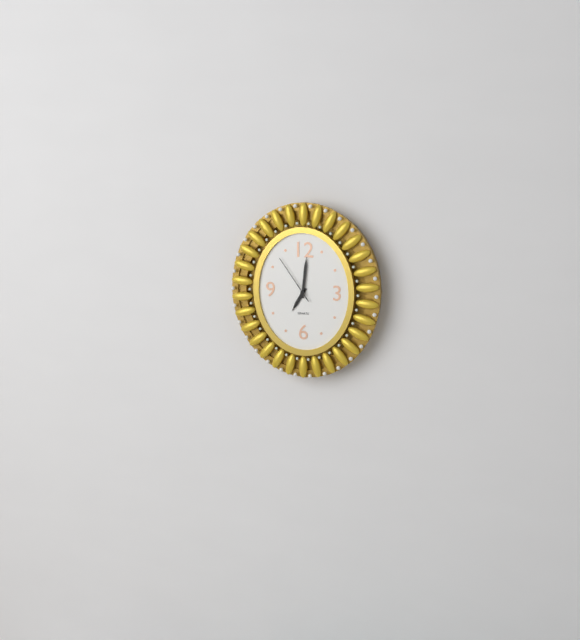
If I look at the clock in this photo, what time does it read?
7:01:54
